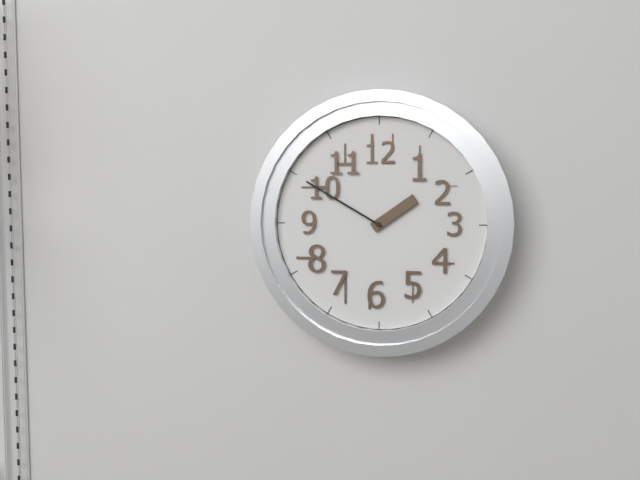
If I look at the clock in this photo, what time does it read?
1:50
